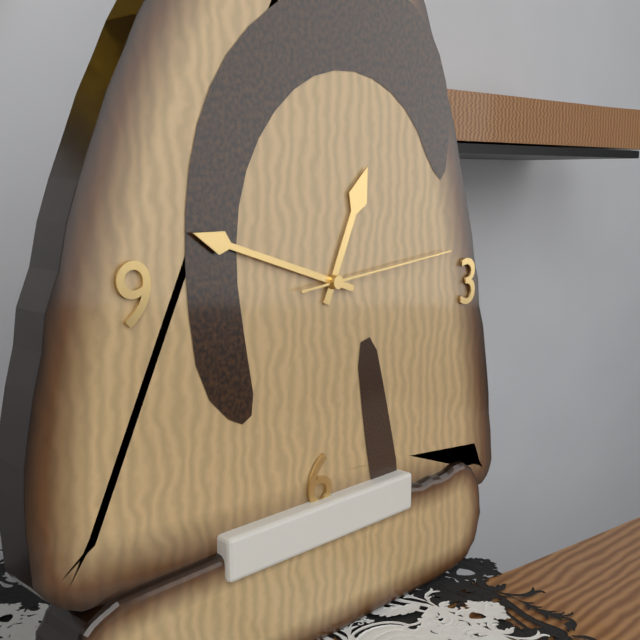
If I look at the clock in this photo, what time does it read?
12:48:14
